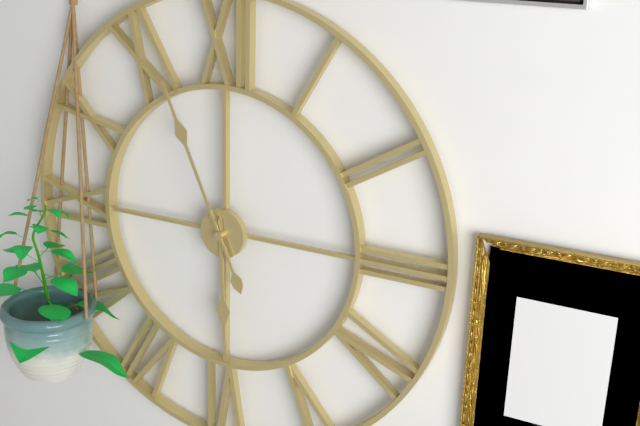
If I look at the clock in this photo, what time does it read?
5:56
